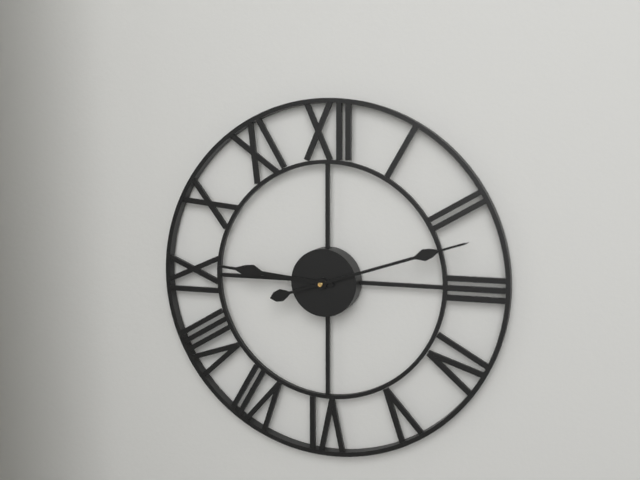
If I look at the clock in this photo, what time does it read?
9:12
